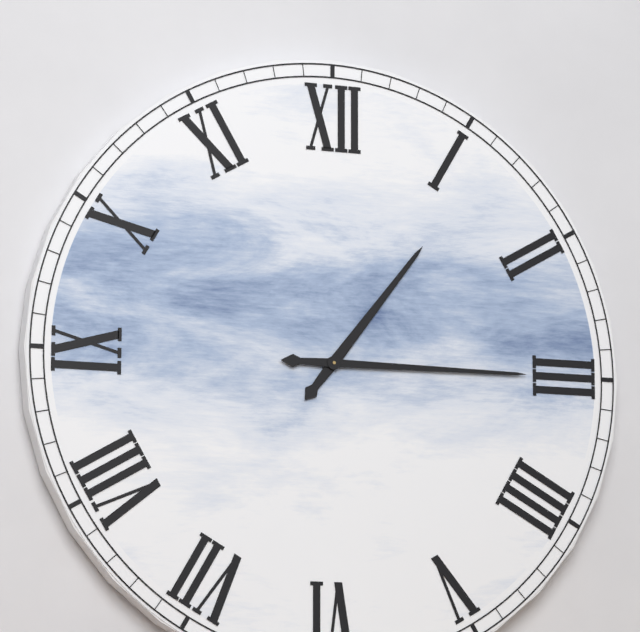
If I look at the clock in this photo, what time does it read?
1:15
